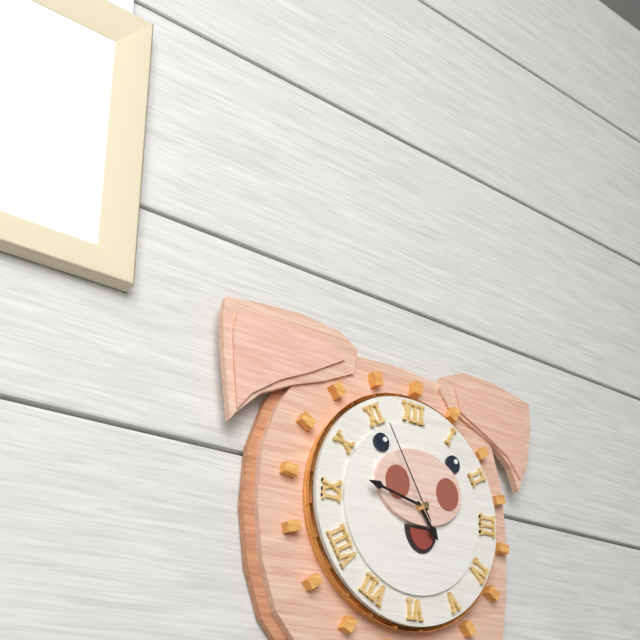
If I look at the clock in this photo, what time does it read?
4:47:55
